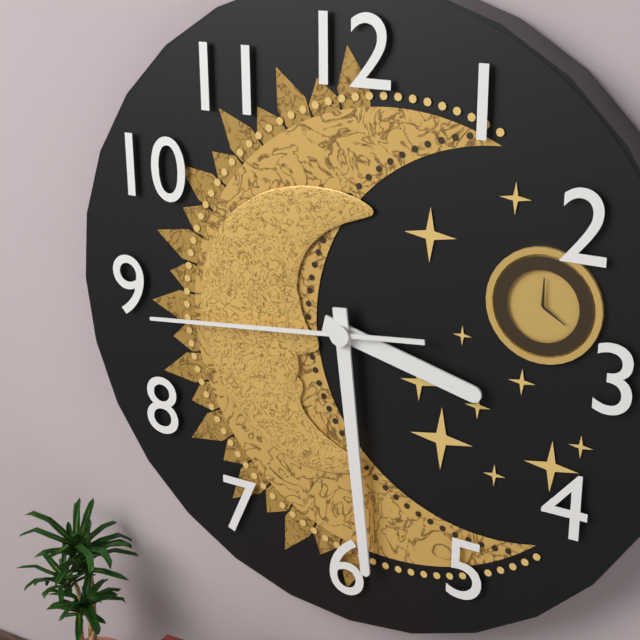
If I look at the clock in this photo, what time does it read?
3:29:44
